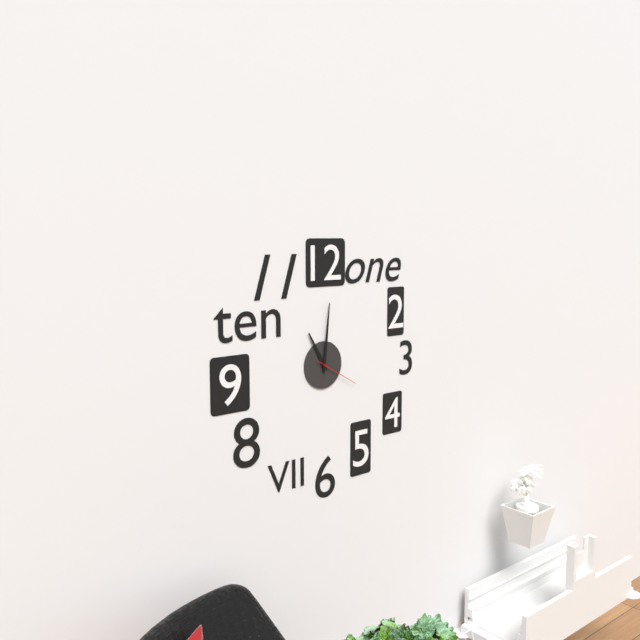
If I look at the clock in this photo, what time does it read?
11:01
